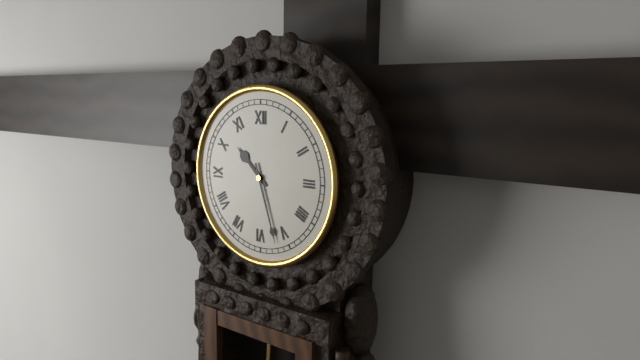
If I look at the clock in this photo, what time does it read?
10:27
